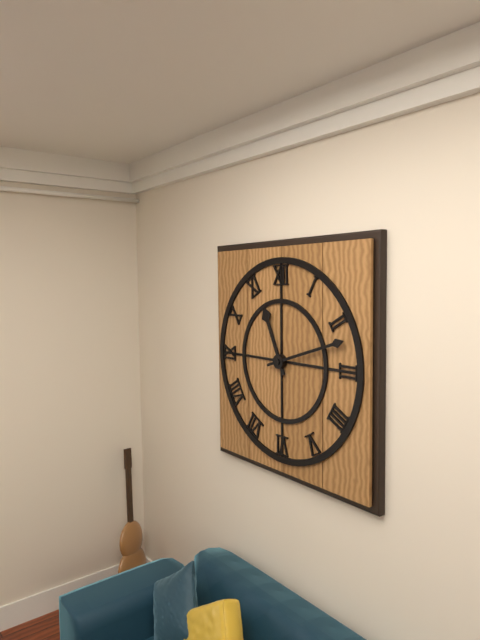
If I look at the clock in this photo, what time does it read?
11:12
